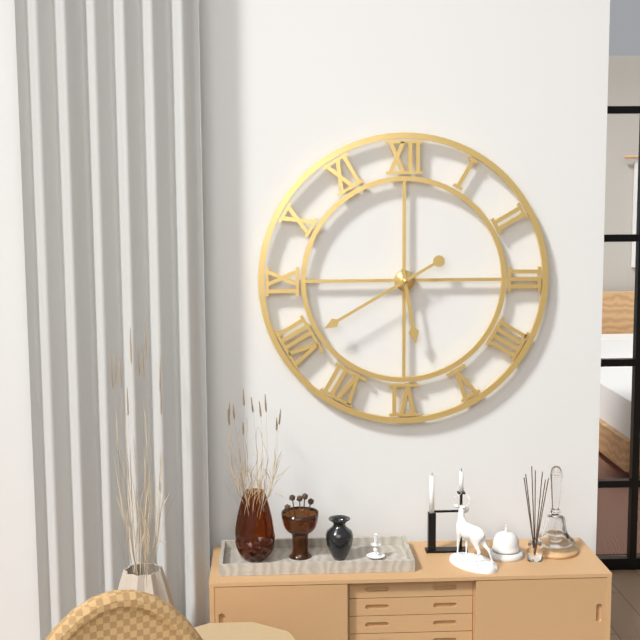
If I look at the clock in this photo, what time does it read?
5:40
